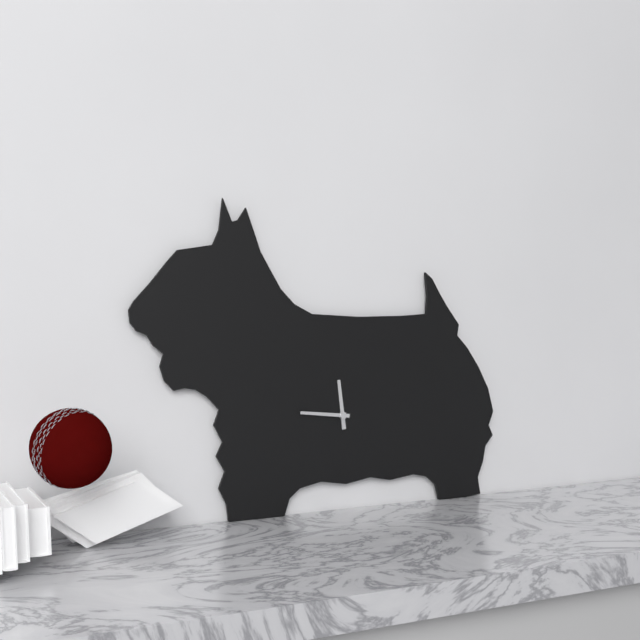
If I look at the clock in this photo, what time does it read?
11:46
